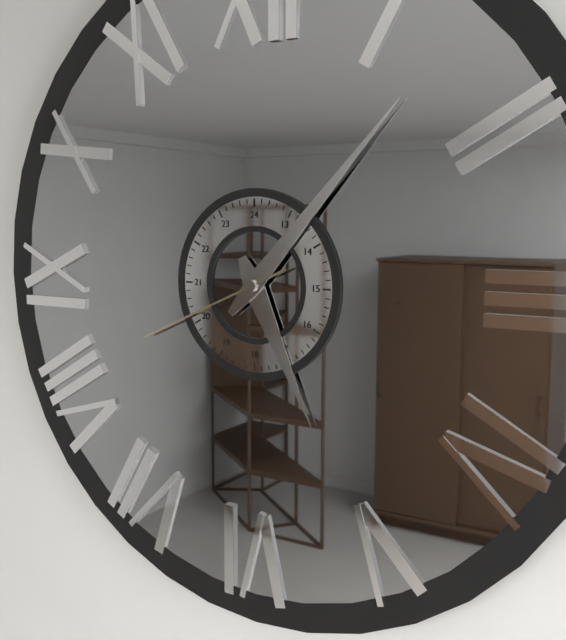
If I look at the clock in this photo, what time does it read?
5:07:41
